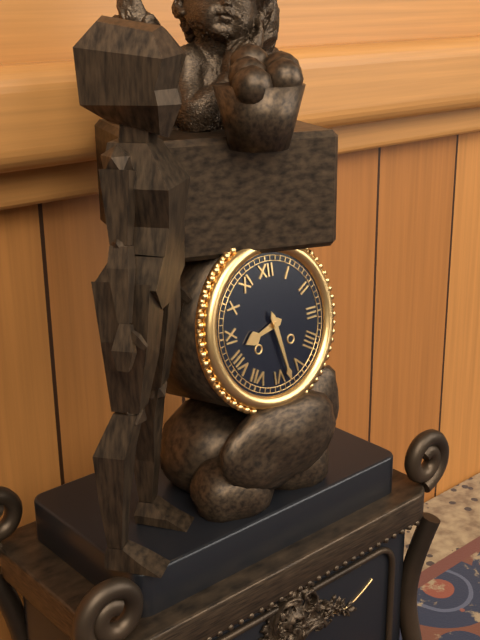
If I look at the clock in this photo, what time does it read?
8:28
